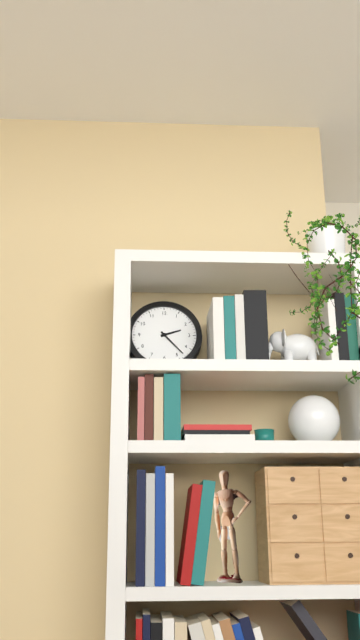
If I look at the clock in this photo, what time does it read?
2:23
